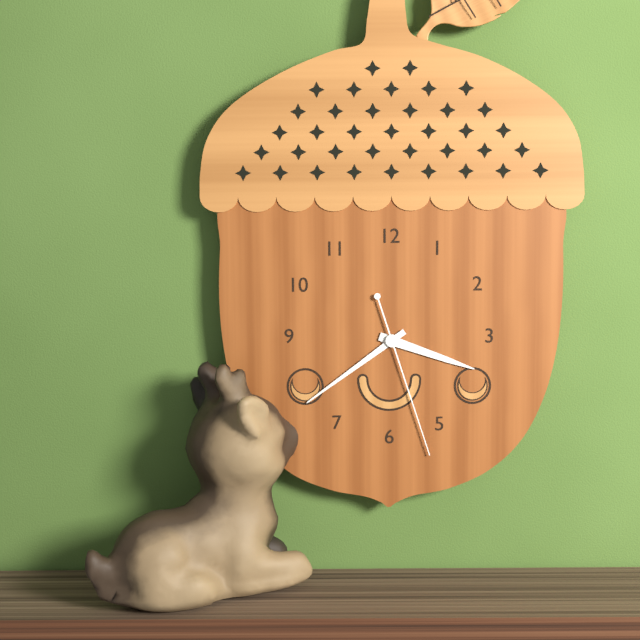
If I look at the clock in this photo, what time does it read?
3:39:27
